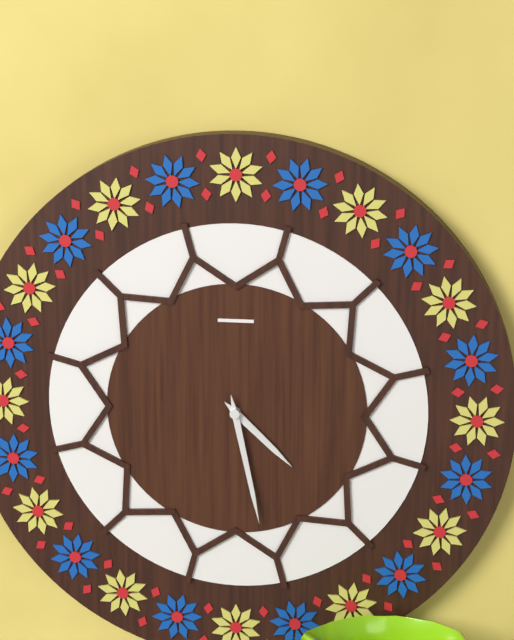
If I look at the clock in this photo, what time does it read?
4:28
